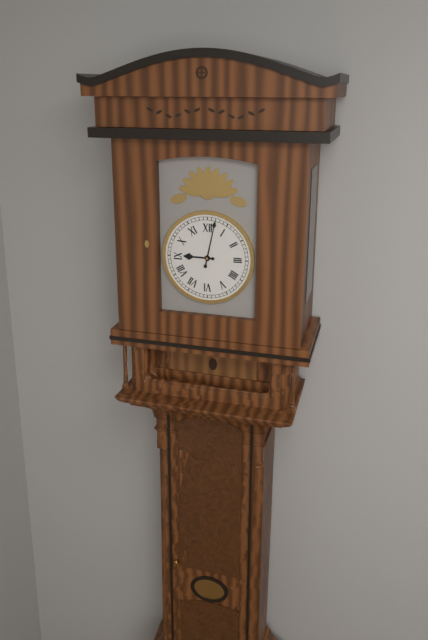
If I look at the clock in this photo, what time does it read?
9:02
